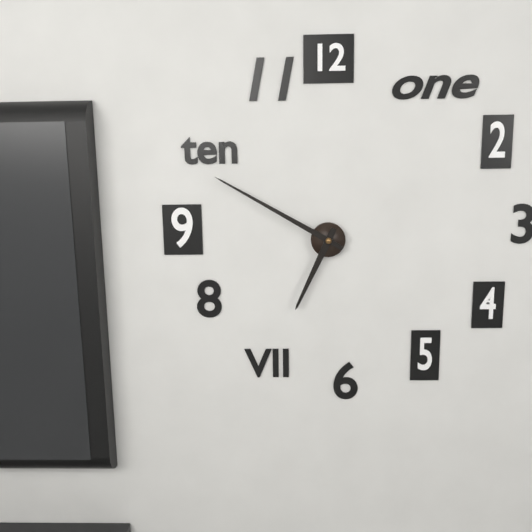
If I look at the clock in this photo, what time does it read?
6:50
